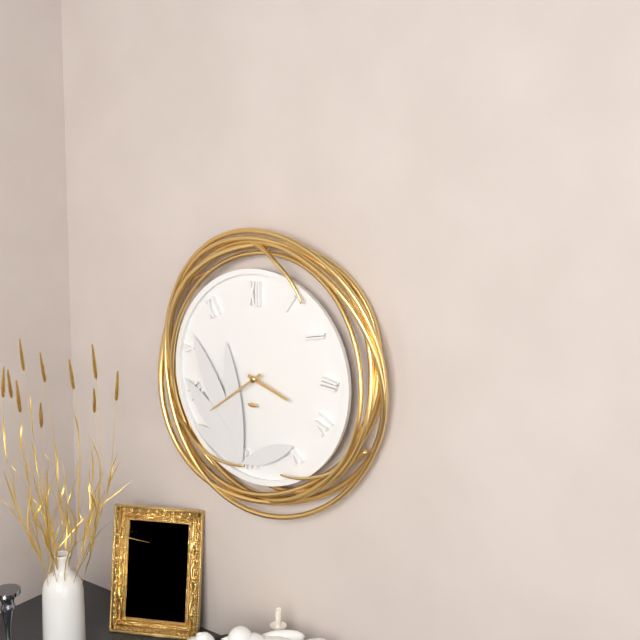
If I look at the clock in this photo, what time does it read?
3:39
